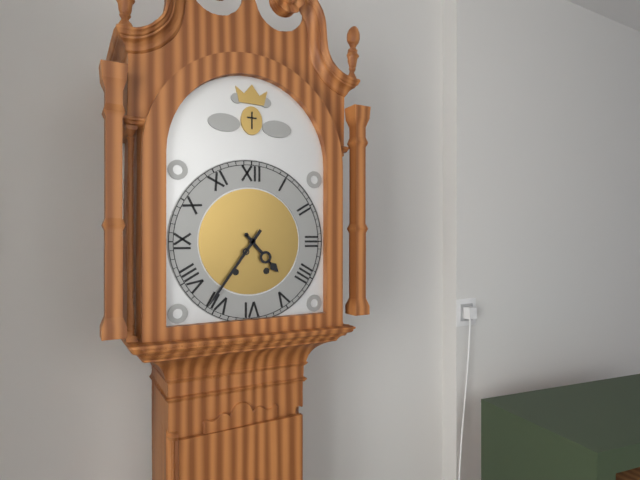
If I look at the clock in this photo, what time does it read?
4:36
